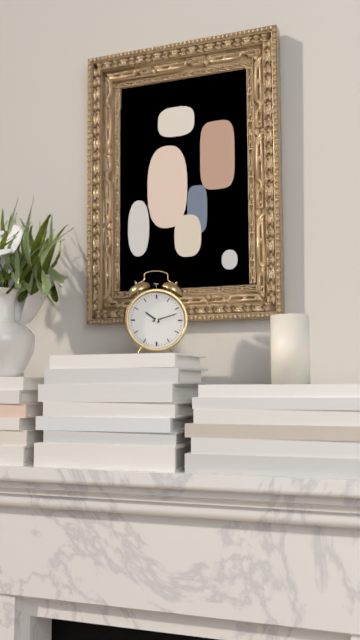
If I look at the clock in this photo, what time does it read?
10:12
